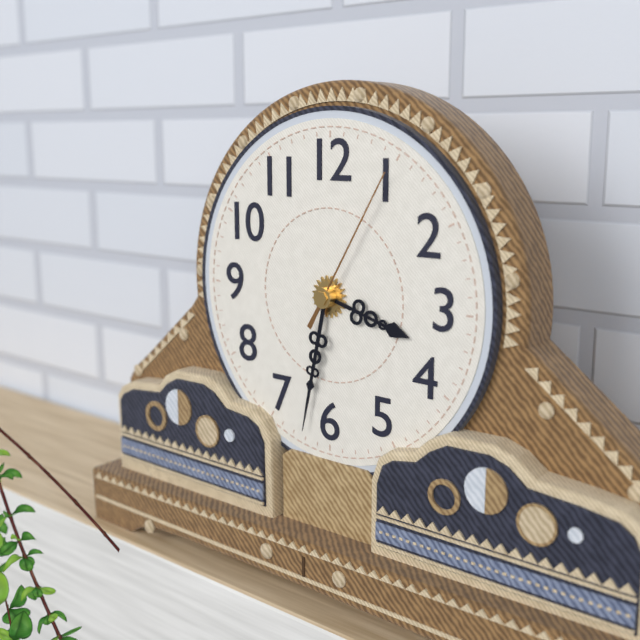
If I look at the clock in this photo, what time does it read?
3:32:05
